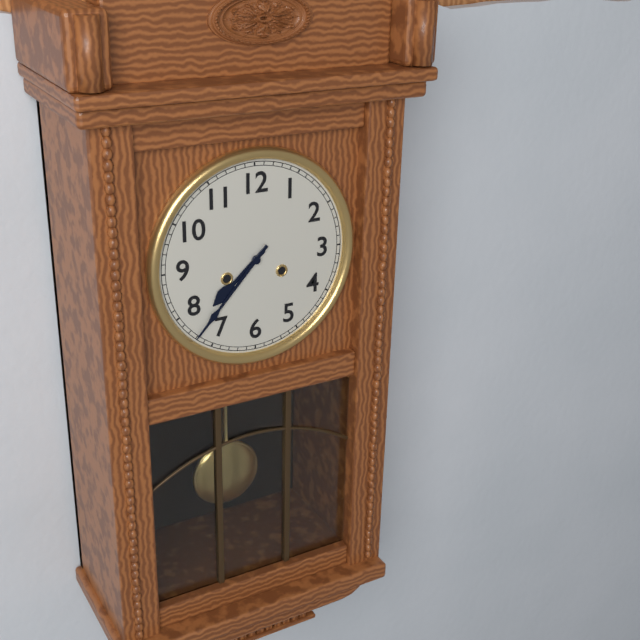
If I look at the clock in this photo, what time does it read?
7:37
